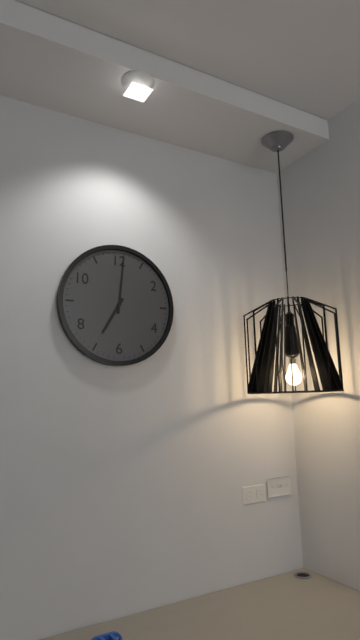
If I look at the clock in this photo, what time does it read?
7:01
